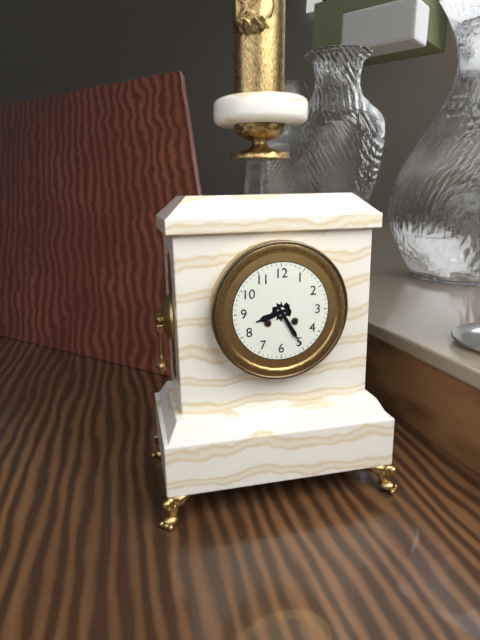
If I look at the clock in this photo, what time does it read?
8:25
